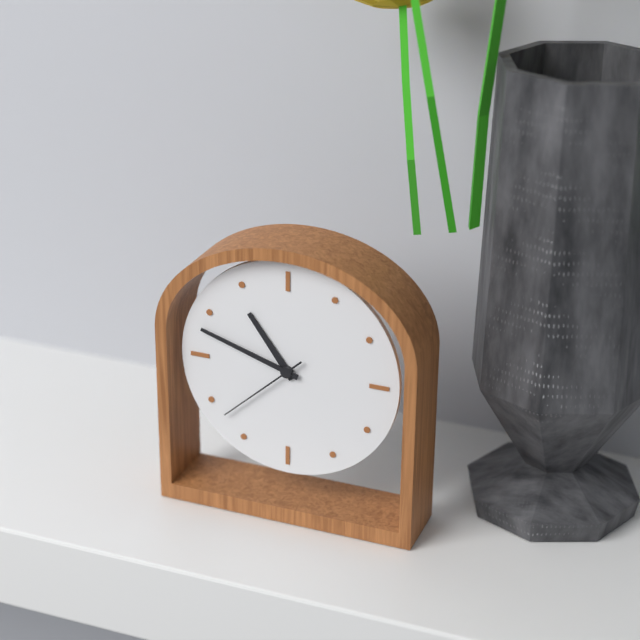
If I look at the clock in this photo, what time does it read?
10:48:38
